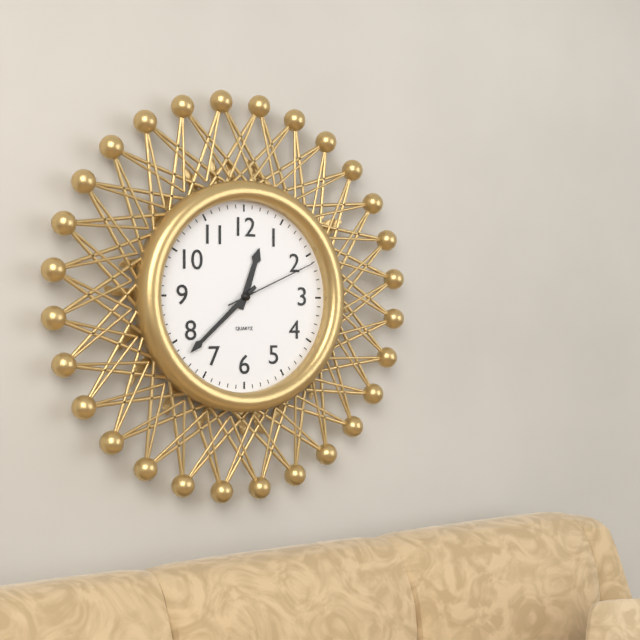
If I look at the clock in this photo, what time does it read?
12:38:11
